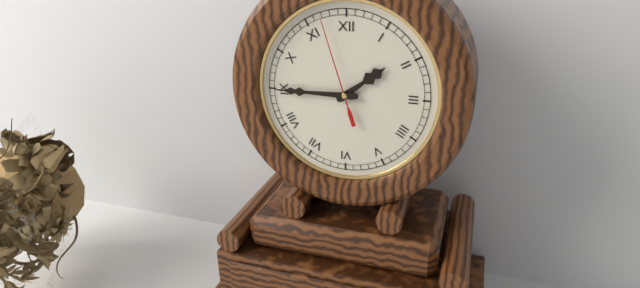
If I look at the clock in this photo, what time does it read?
1:45:57
